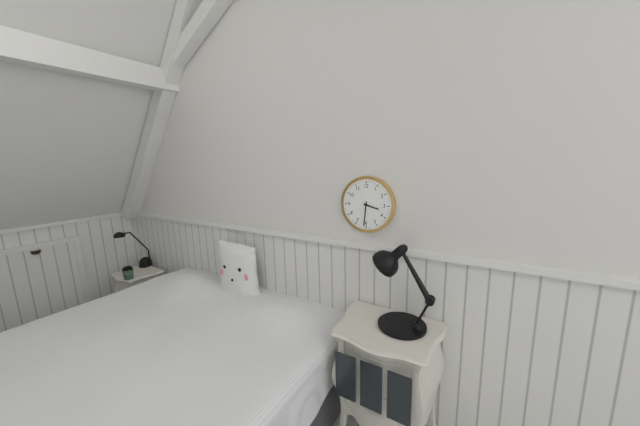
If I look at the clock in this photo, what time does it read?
3:31
